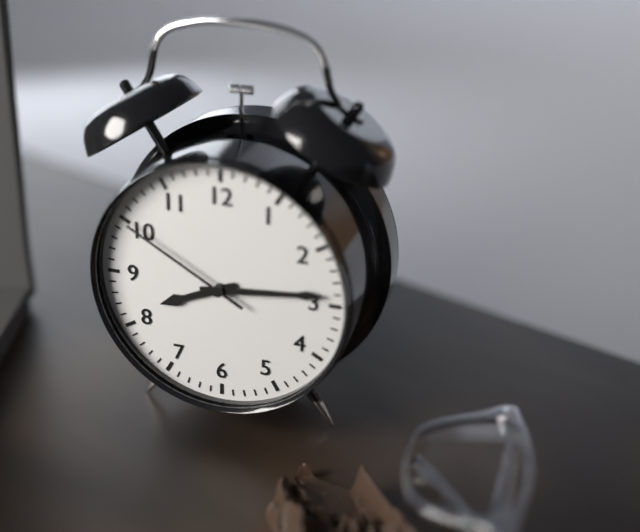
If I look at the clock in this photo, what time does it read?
8:14:50
